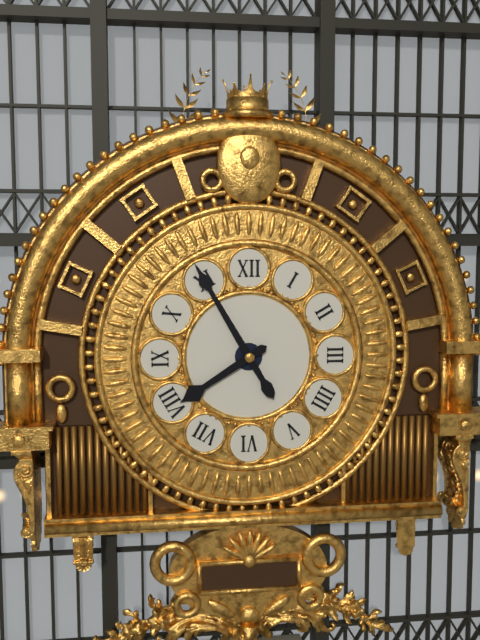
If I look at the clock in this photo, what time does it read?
7:55
